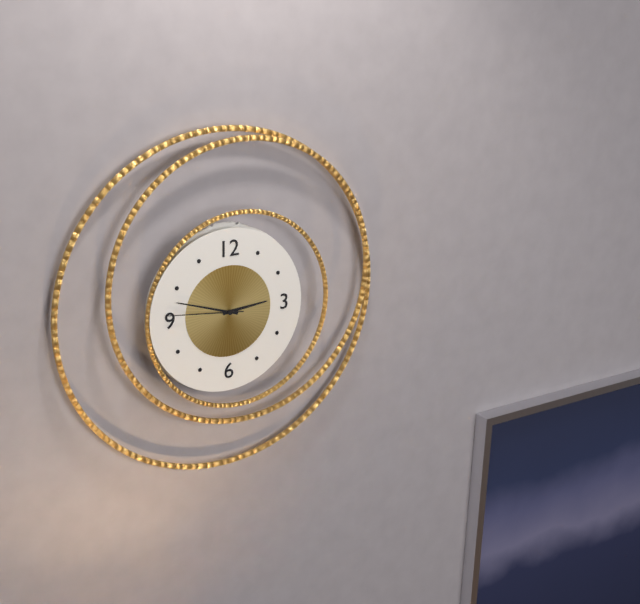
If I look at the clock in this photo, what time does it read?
2:48:46
